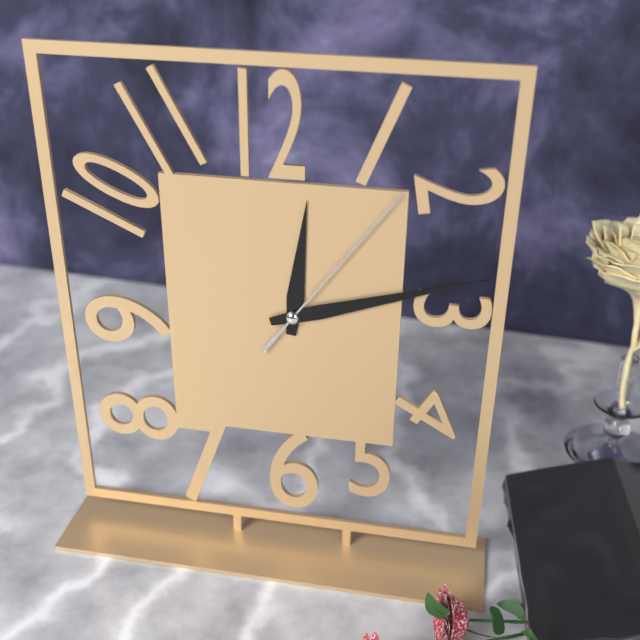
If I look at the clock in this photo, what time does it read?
12:12:06
